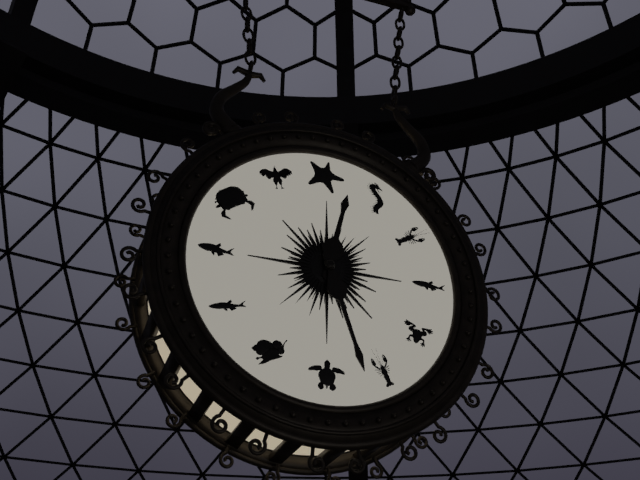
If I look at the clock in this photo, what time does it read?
12:27
